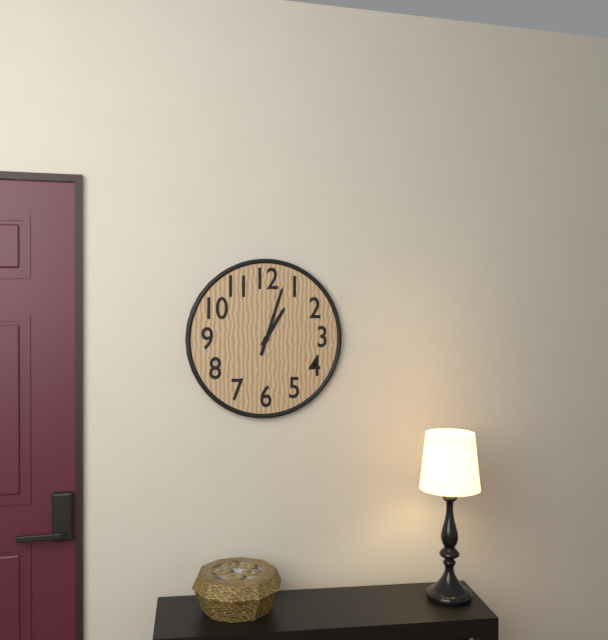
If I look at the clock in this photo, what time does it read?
1:03
